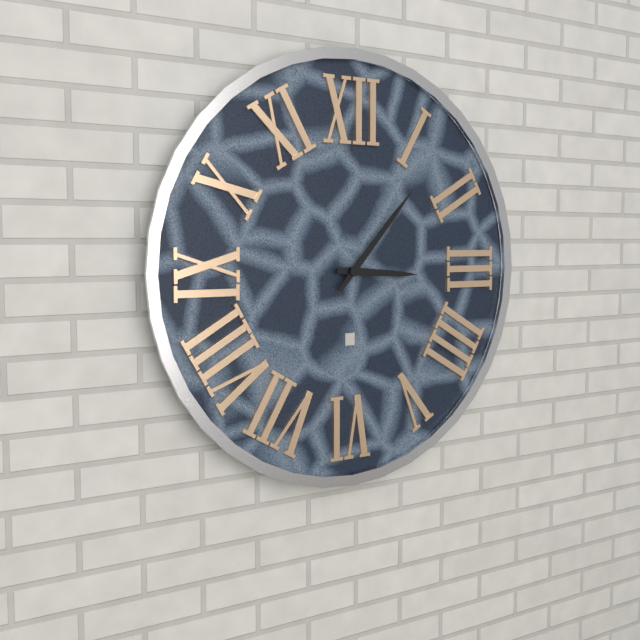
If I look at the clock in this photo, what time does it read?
3:07
